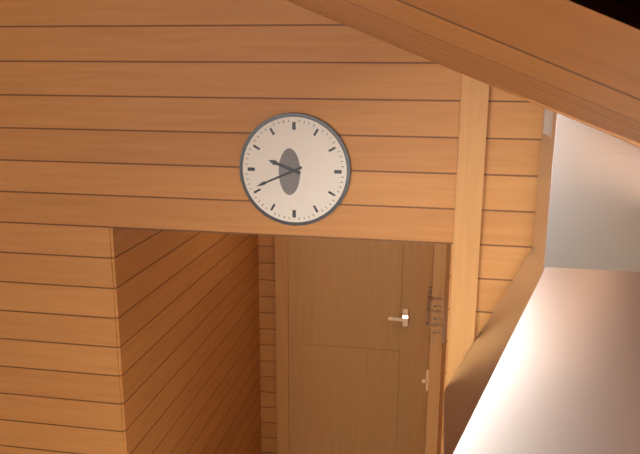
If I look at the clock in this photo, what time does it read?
9:41
